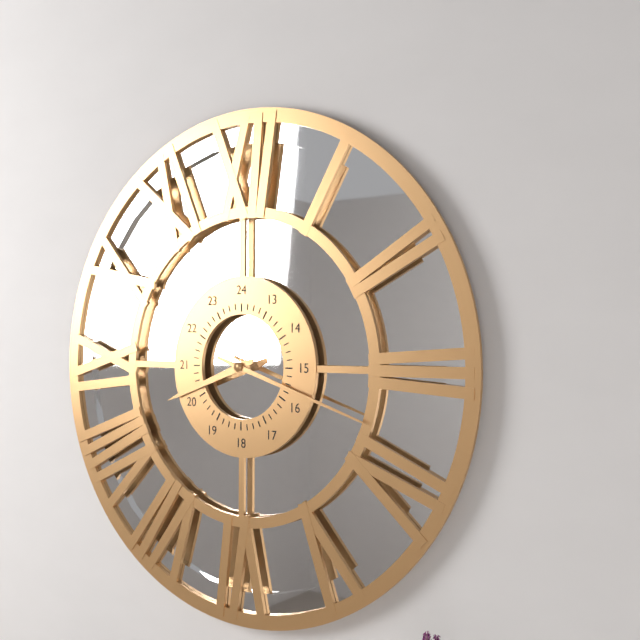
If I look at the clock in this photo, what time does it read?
8:18
